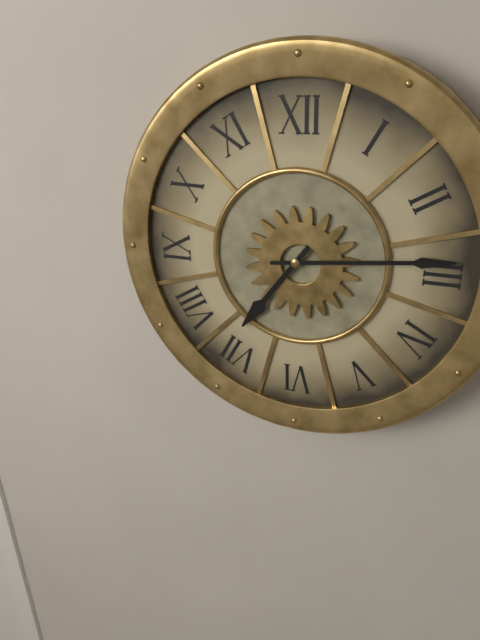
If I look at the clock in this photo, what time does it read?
7:14
